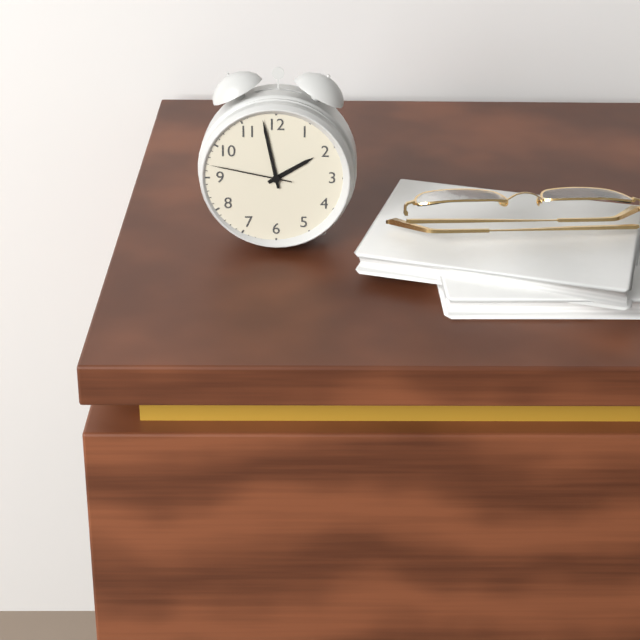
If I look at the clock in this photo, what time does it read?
1:58:47
